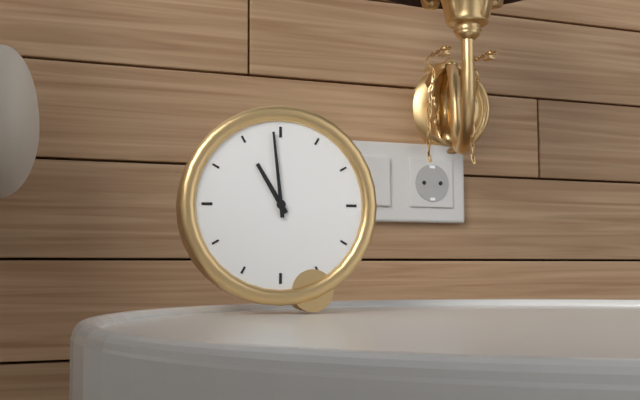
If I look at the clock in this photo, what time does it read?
10:59
